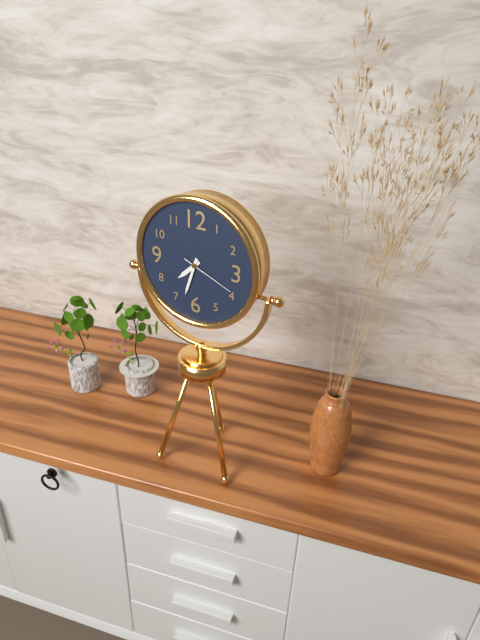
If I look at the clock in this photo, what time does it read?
7:33:19
